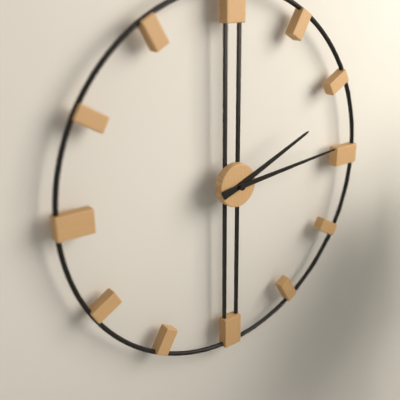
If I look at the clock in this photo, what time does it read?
2:14
